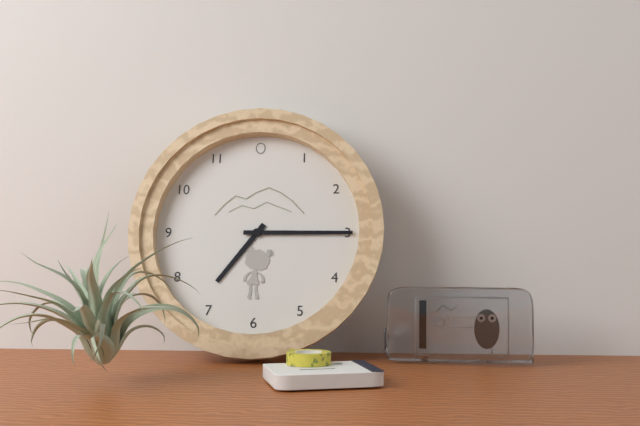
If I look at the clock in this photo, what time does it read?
7:15
